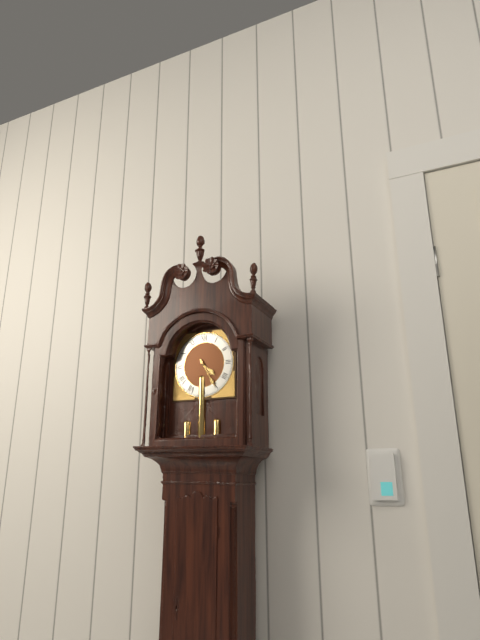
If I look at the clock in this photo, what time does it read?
4:25
